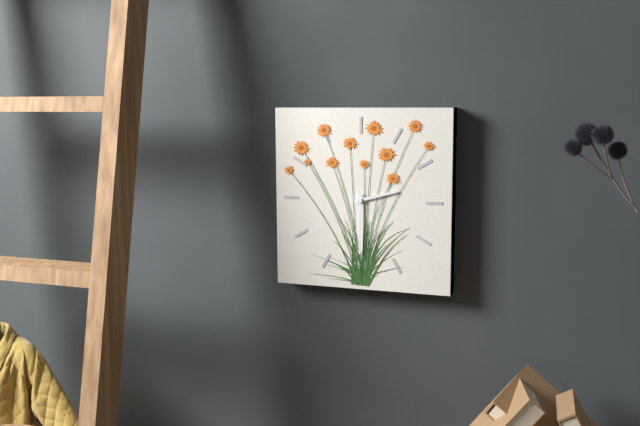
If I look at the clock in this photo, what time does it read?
2:30
